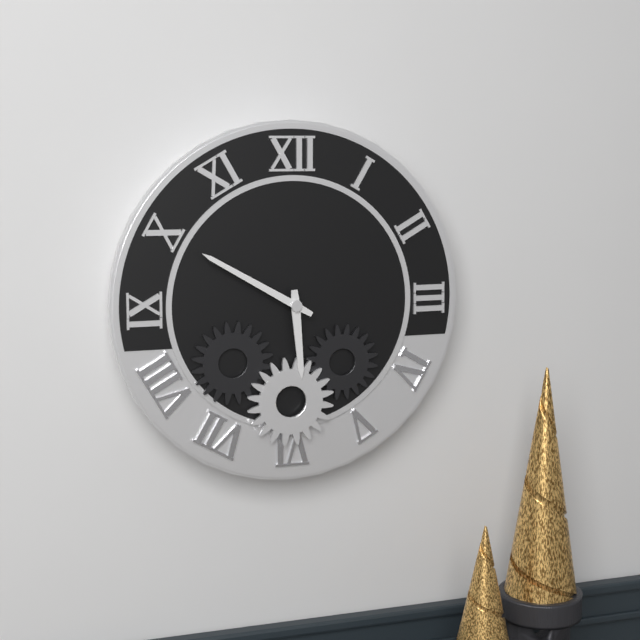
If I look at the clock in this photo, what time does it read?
5:50
